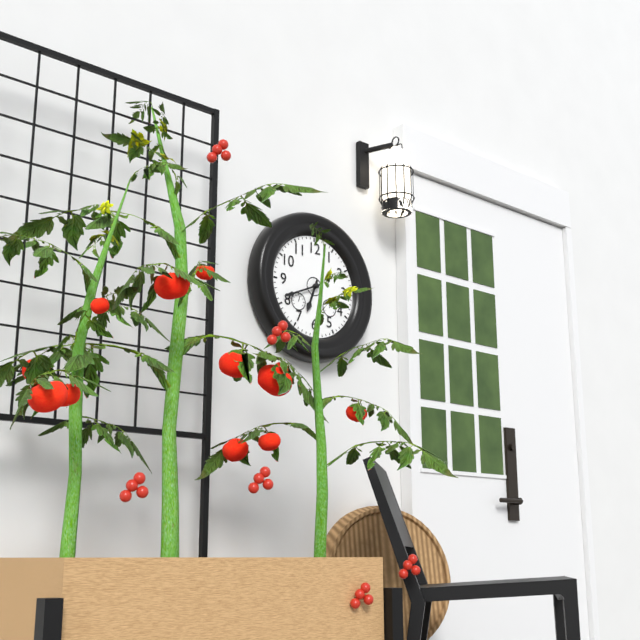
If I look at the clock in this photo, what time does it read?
6:41
